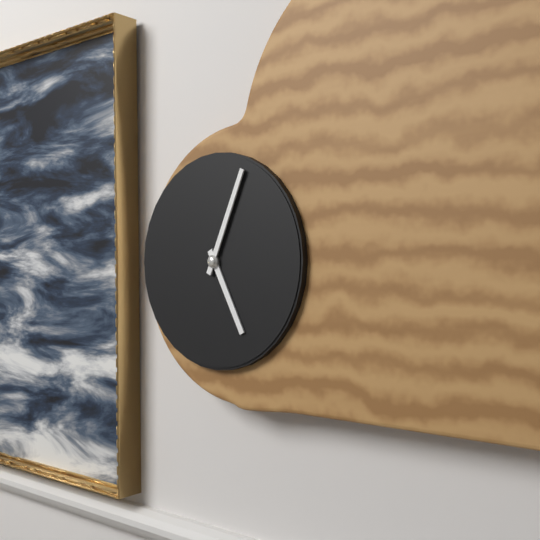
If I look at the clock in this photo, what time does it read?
5:04
